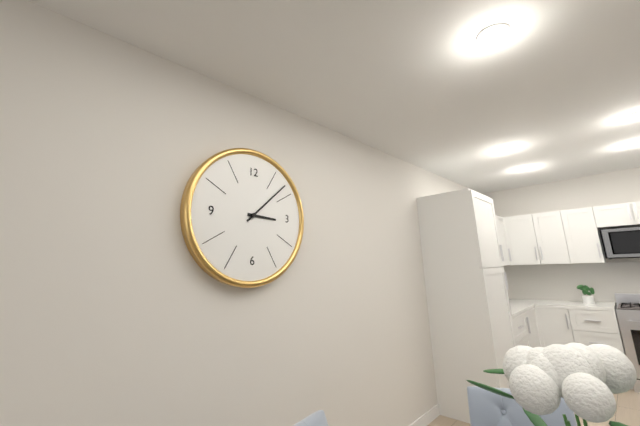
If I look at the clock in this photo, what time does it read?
3:08
